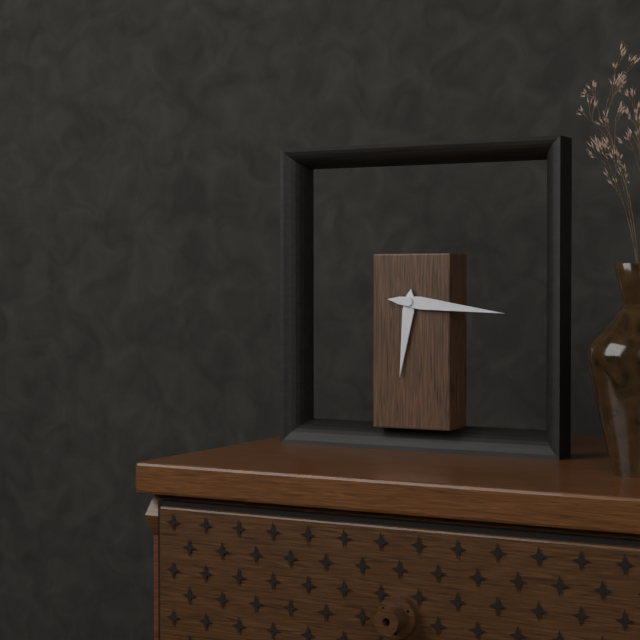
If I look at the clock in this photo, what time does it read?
6:16
